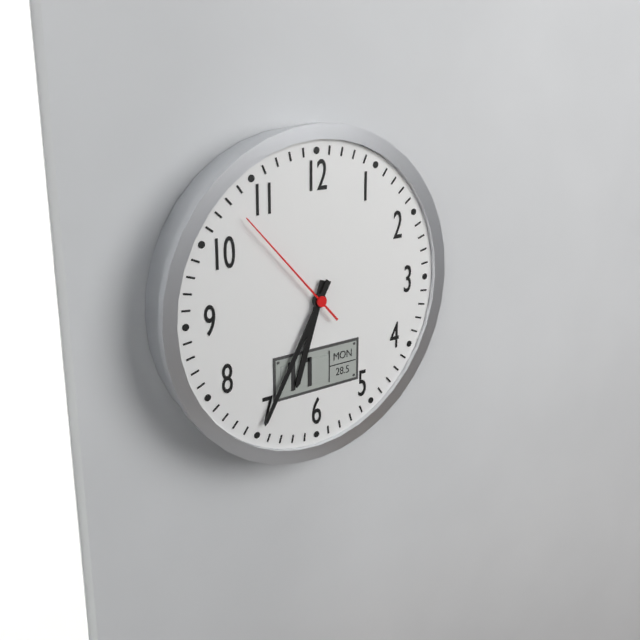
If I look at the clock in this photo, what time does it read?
6:35:53
